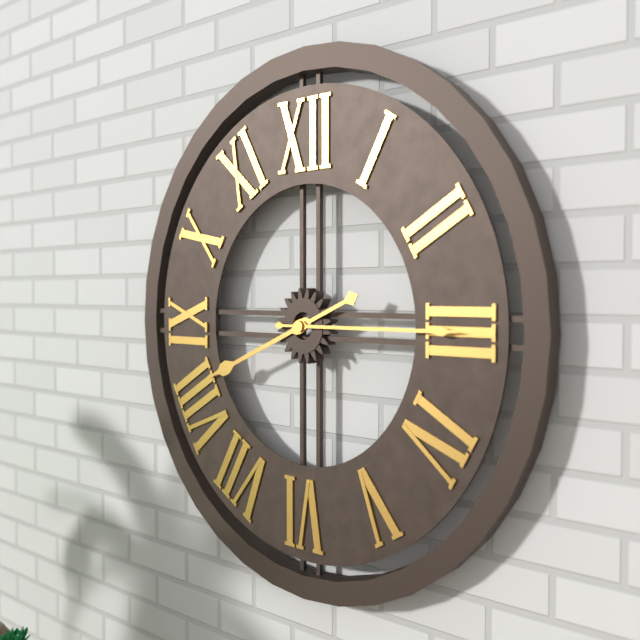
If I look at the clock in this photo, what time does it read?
8:15
